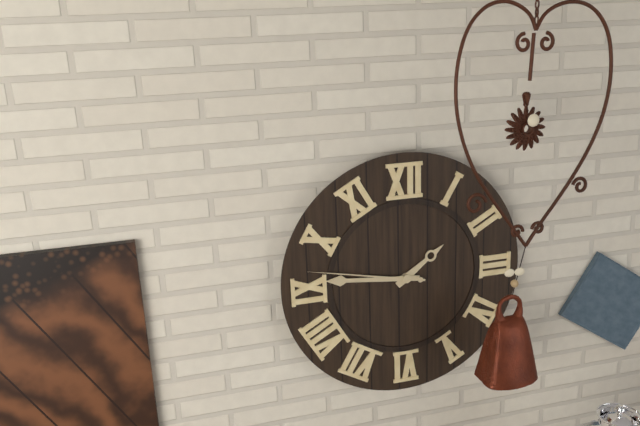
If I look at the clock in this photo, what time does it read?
1:46:47
